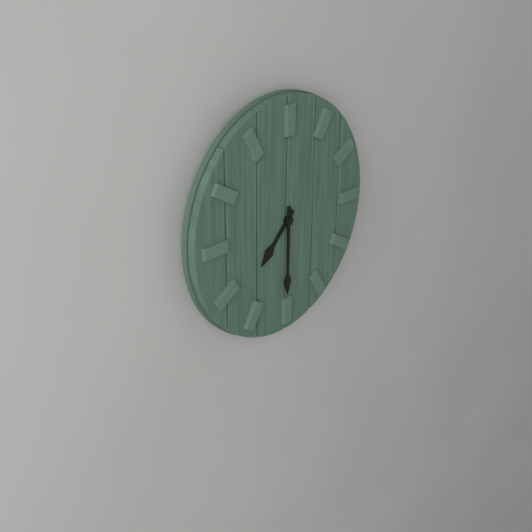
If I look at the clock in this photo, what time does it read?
7:30
